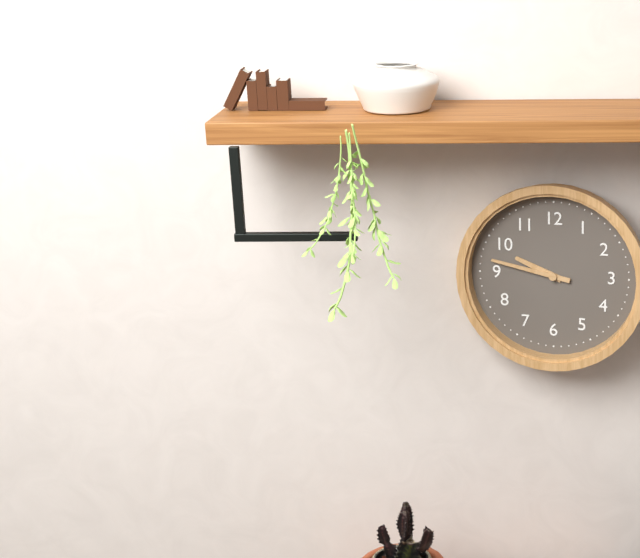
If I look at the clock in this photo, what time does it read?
9:47
